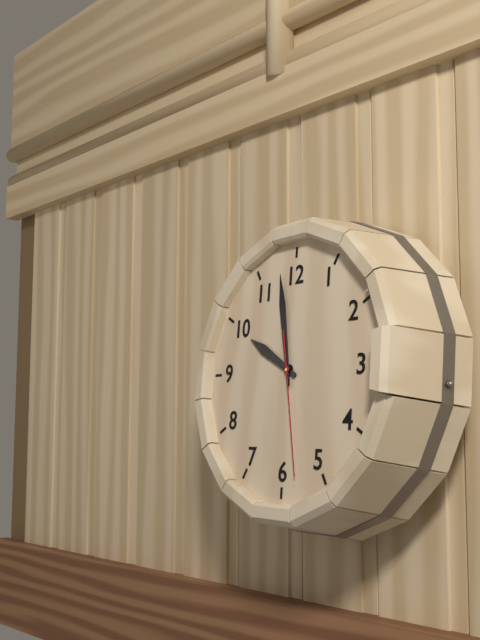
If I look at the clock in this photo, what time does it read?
9:58:28
